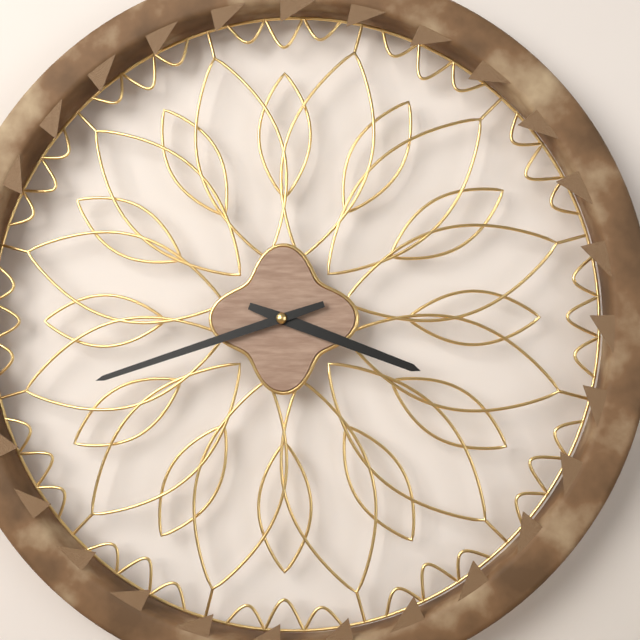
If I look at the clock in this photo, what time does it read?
3:42
